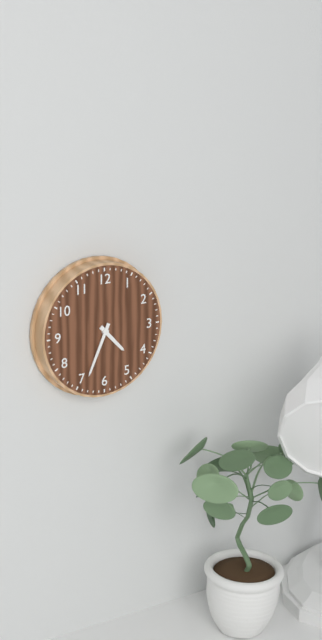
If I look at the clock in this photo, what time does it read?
4:34
